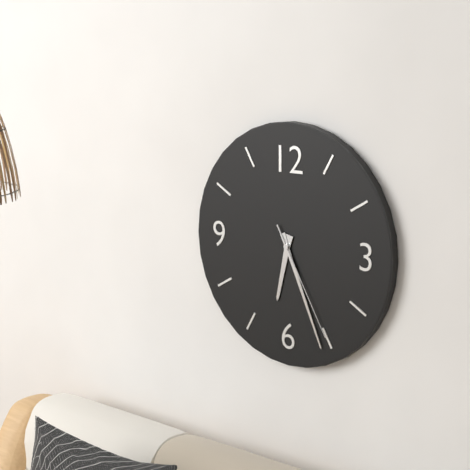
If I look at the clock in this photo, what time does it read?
6:26:25
